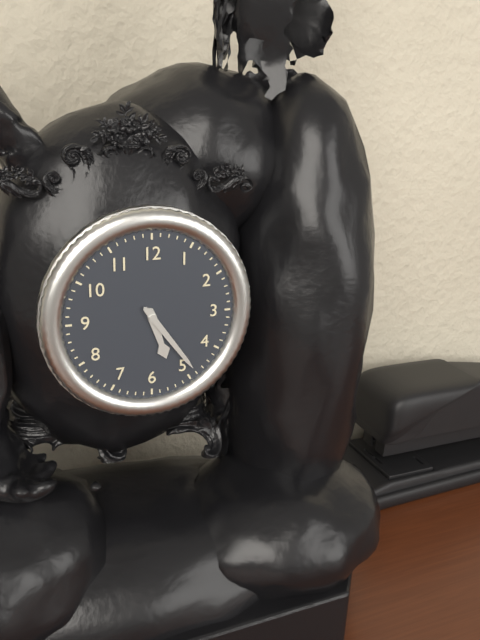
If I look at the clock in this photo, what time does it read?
5:24
